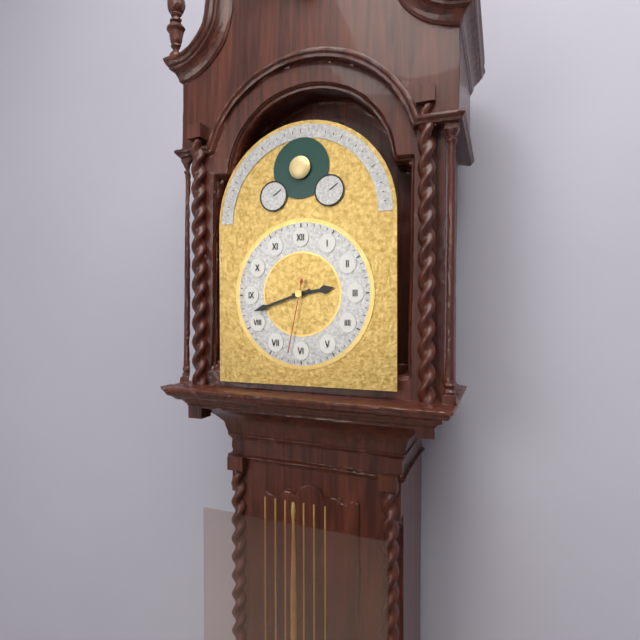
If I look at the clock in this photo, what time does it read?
2:42:32
